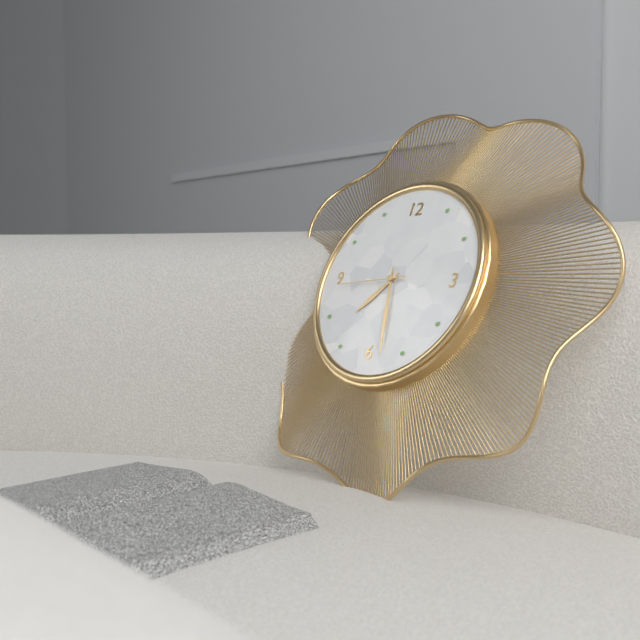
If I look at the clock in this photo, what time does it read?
7:28:44
